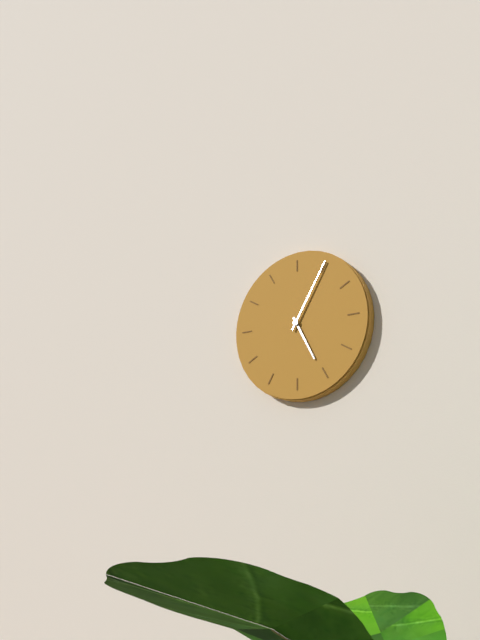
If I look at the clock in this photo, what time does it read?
5:05
